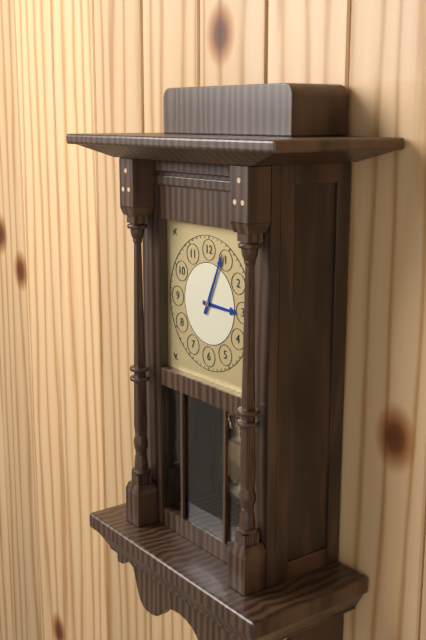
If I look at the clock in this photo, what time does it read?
3:04
